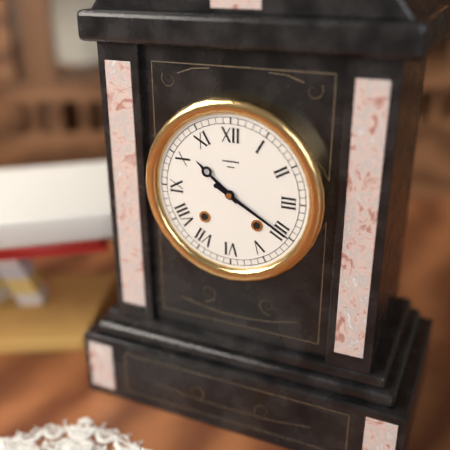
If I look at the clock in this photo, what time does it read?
10:20
